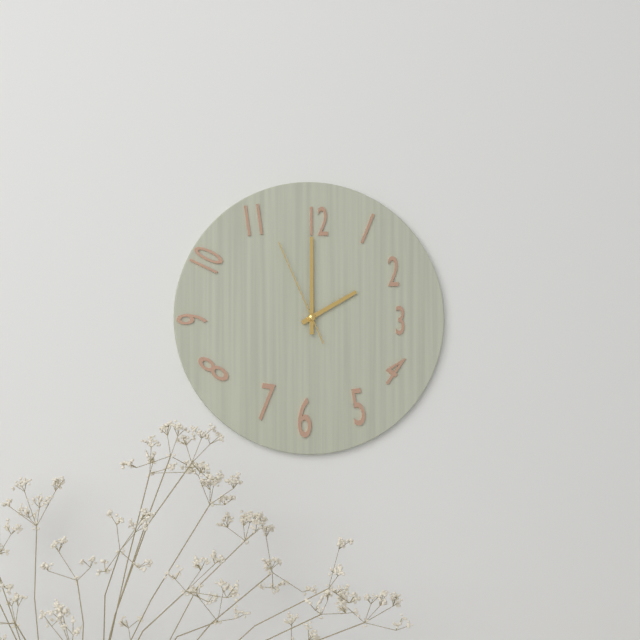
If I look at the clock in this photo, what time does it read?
2:00:56
